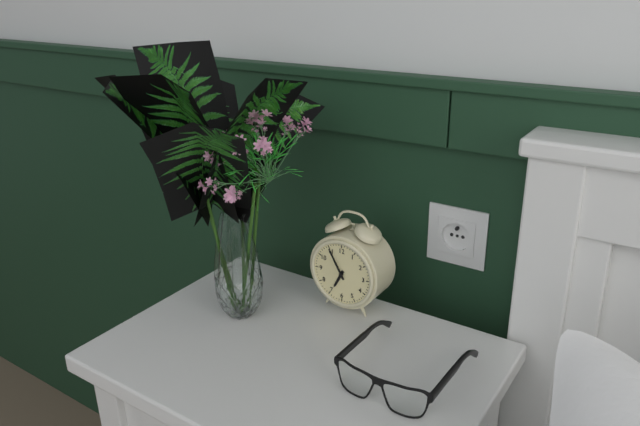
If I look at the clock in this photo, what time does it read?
6:55
